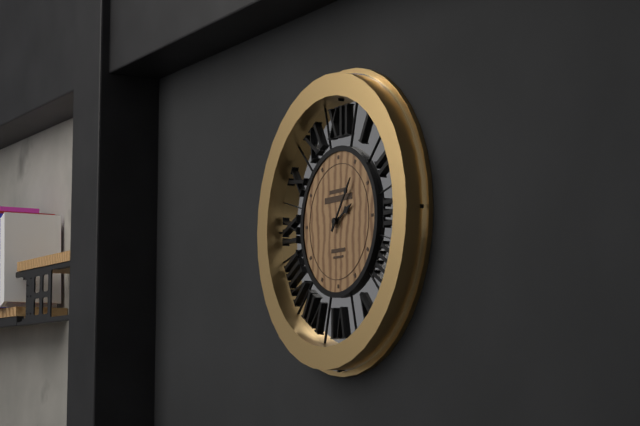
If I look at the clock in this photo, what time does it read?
2:06
